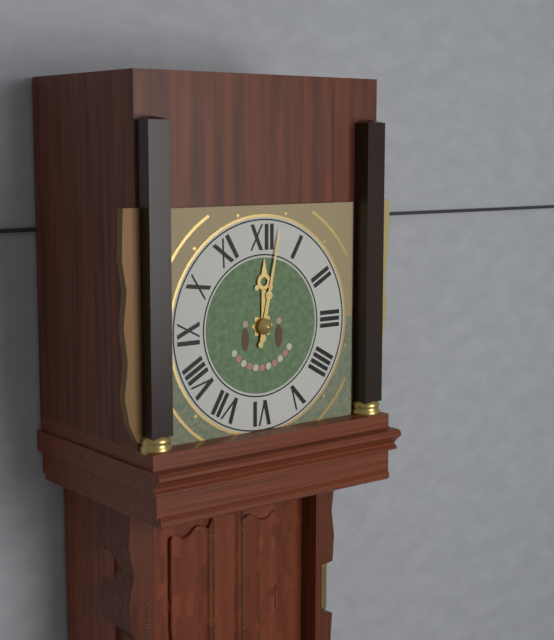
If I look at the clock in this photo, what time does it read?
12:02
